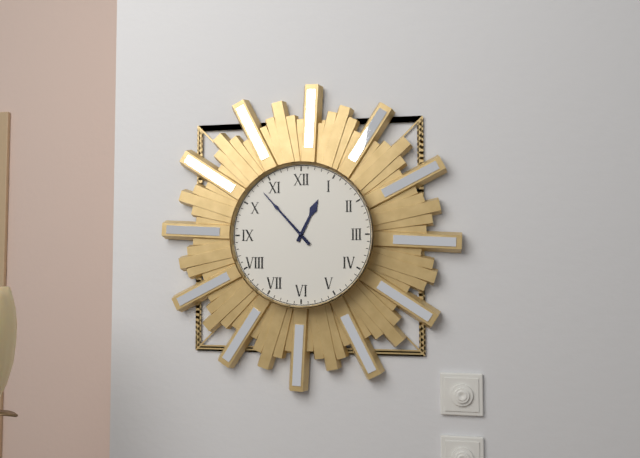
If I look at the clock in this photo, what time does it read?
12:53
